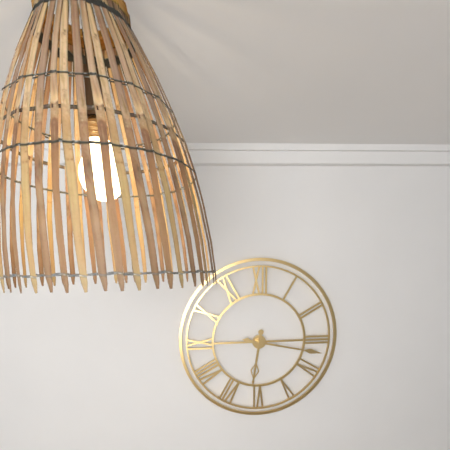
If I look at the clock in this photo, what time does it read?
6:17
